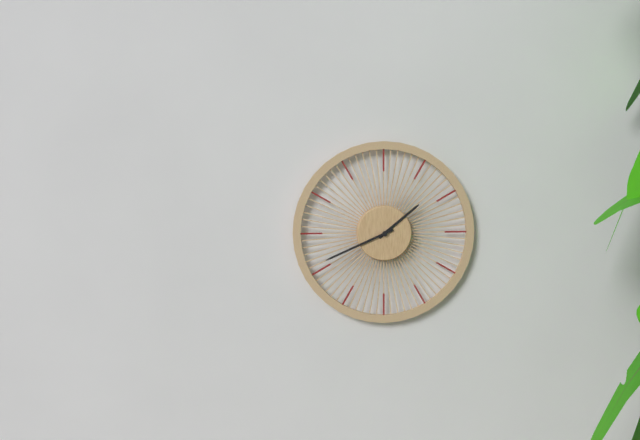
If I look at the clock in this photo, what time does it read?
1:41
